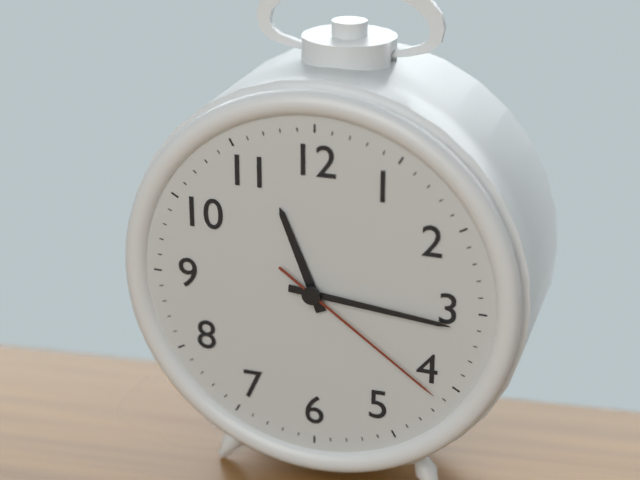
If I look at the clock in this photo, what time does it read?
11:16:21
